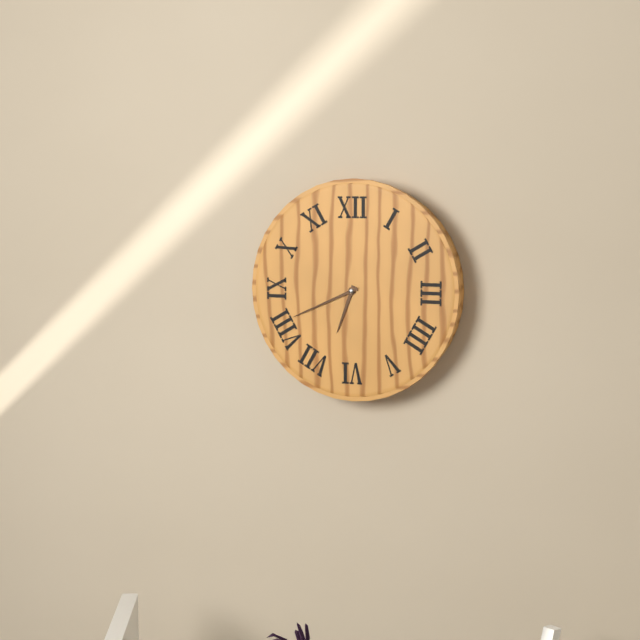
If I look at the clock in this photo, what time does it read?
6:41
